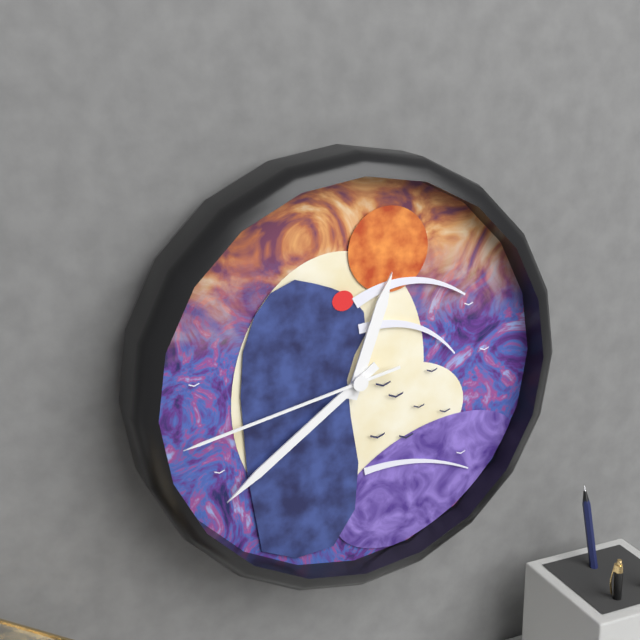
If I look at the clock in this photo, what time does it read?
12:39:43
